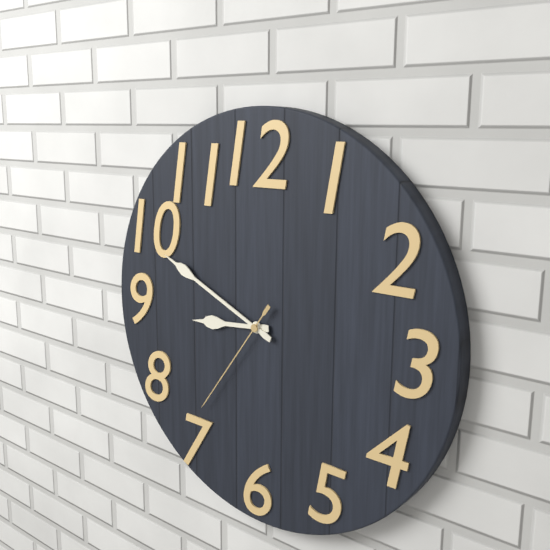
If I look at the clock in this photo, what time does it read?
8:49:36
